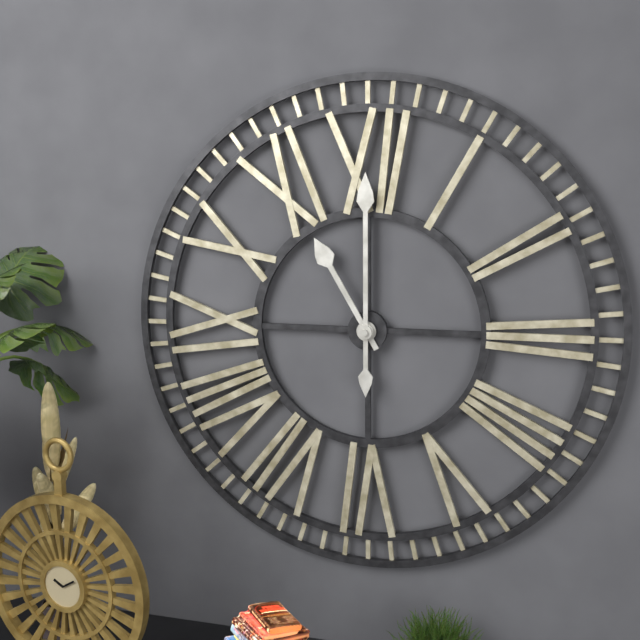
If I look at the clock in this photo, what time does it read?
11:00
